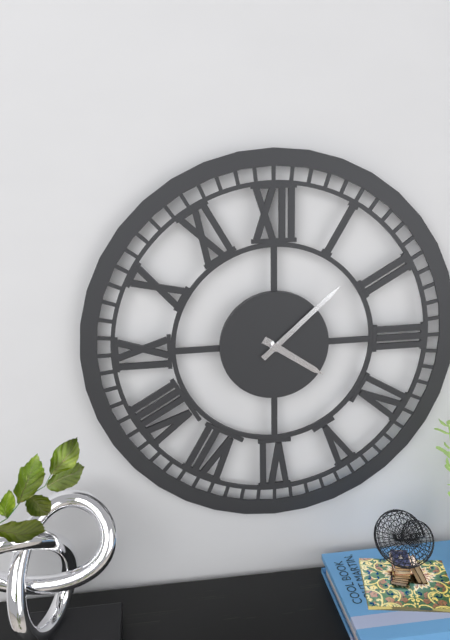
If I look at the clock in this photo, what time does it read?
4:08
